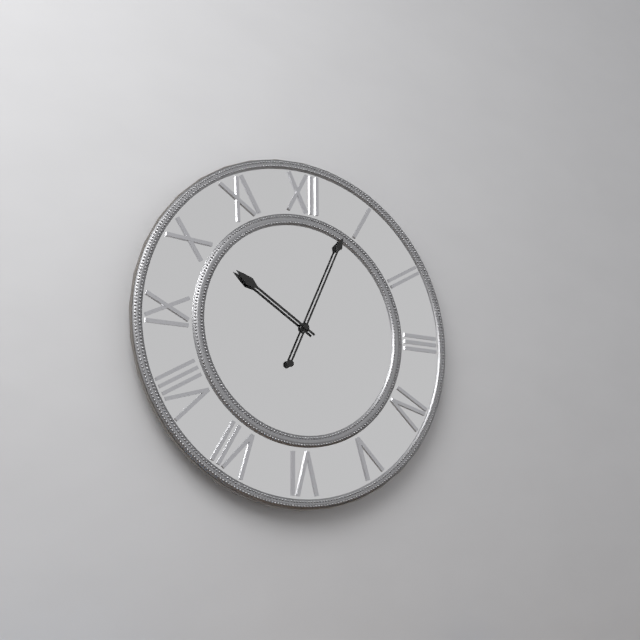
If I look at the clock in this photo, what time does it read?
10:04
